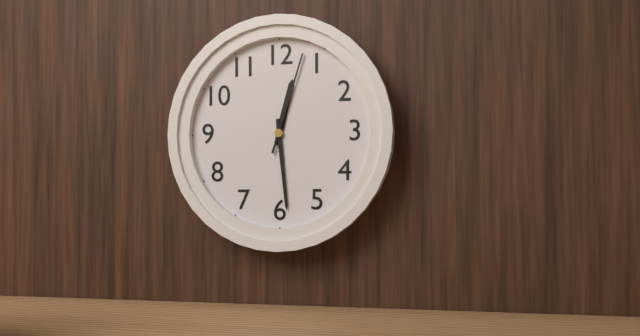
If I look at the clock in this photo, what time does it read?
12:29:03
